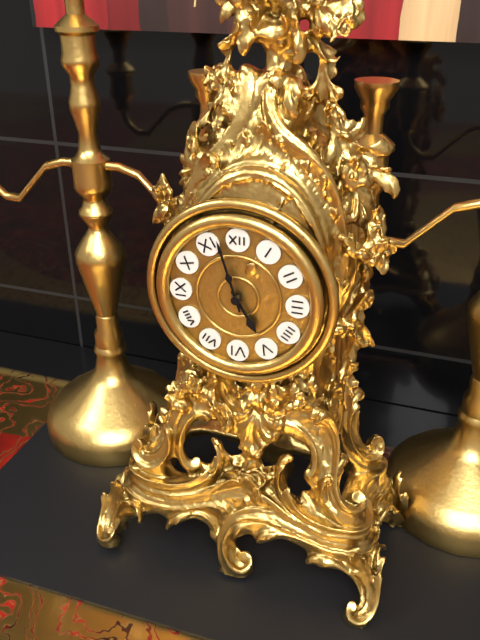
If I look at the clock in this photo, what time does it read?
4:57
